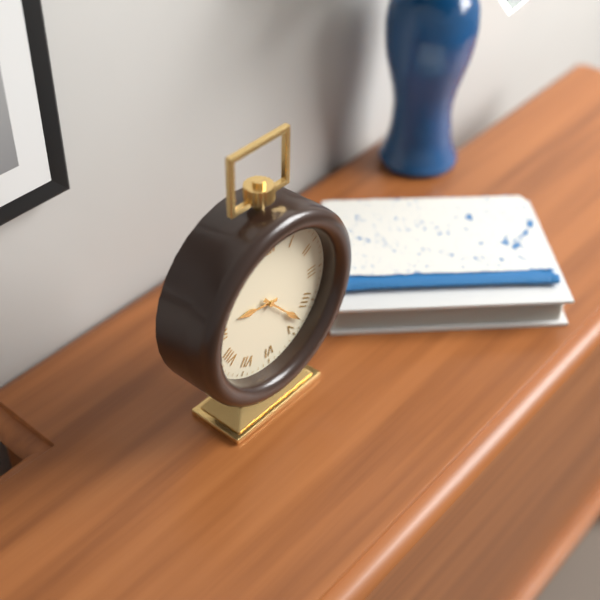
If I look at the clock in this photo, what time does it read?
9:23
